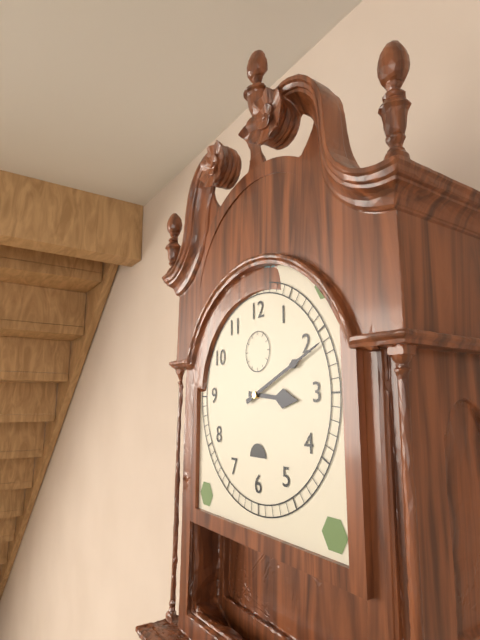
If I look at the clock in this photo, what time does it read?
3:11
